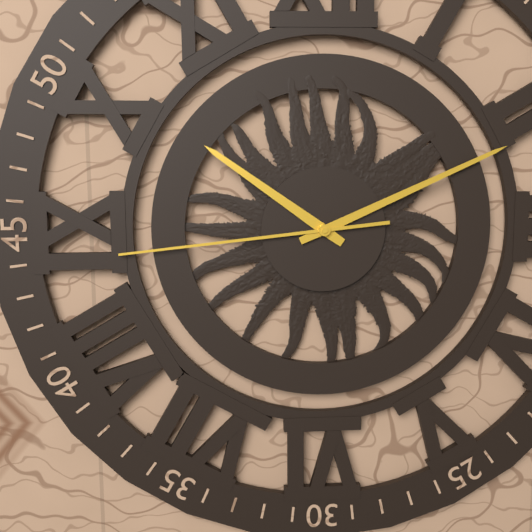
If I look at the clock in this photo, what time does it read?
10:11:44
